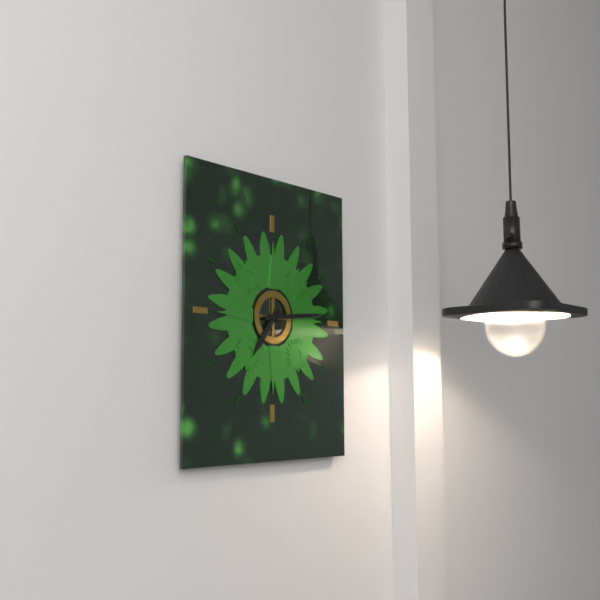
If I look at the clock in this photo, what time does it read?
7:14
